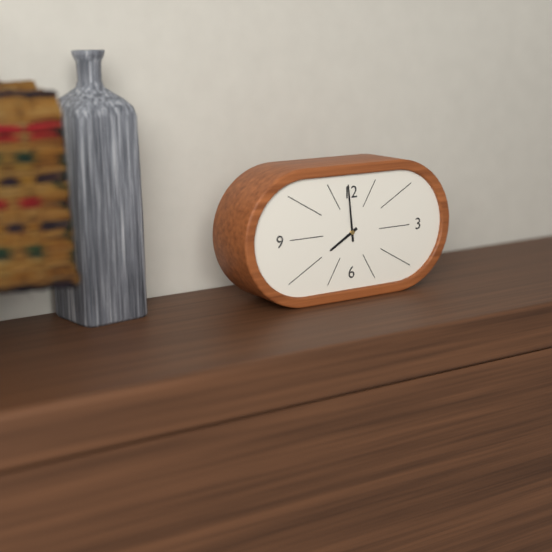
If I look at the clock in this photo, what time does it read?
7:59
